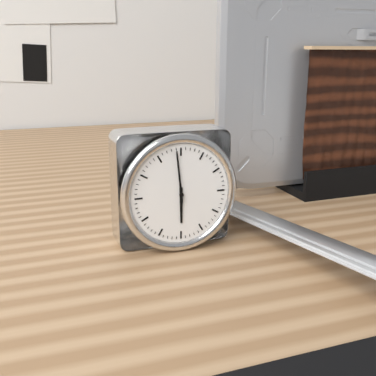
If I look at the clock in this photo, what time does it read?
5:59
